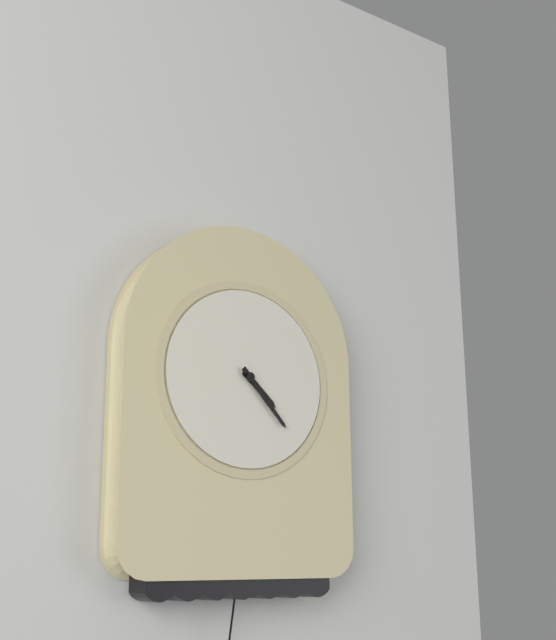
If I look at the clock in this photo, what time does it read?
4:23
